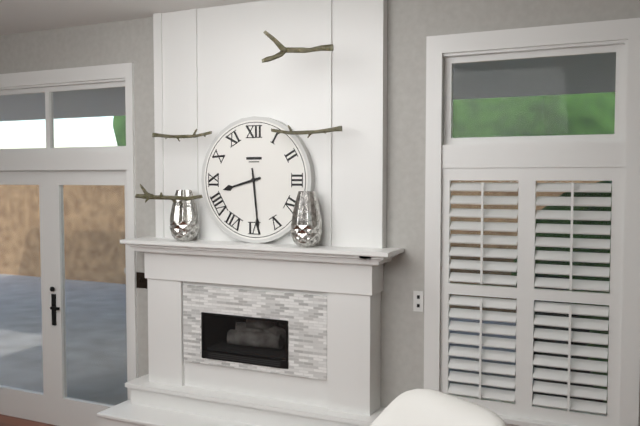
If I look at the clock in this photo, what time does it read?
8:29
